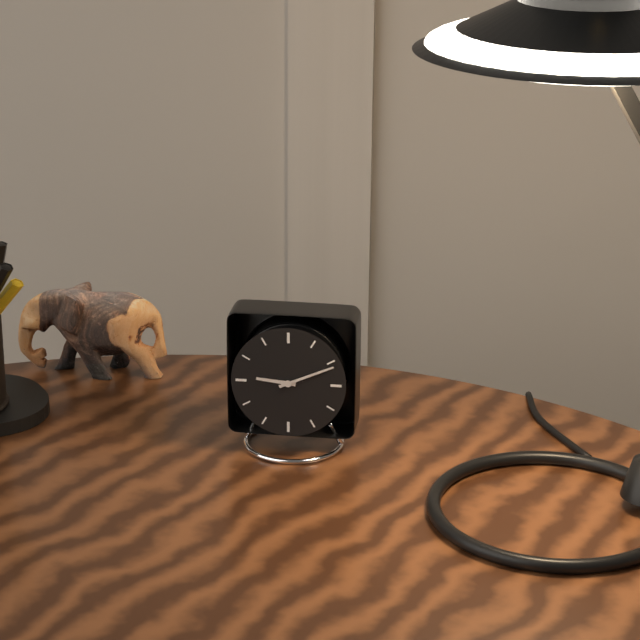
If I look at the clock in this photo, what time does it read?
9:11
